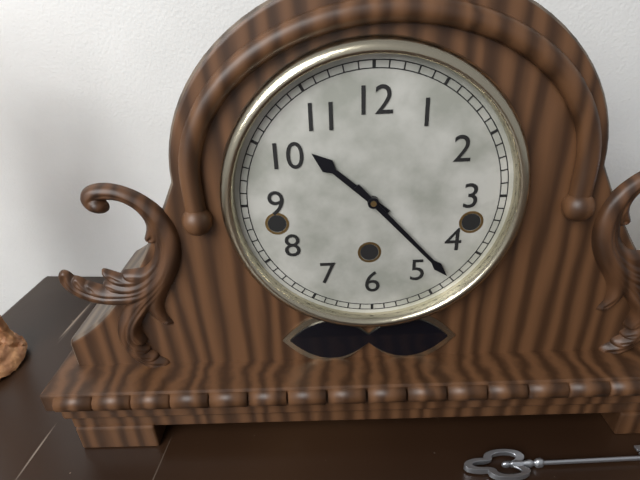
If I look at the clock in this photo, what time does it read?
10:23
